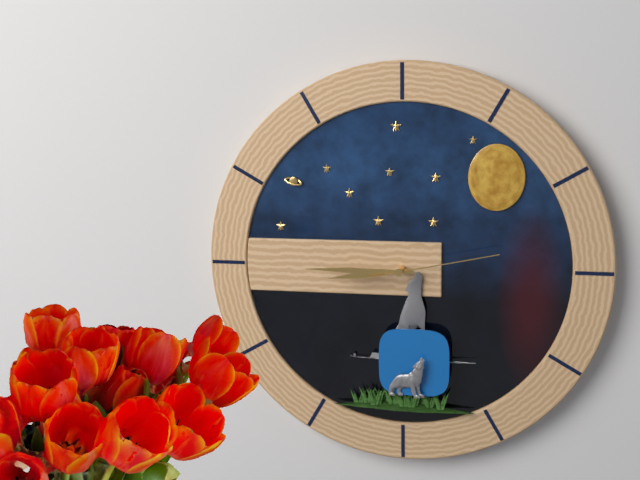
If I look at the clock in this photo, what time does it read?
8:45:13
